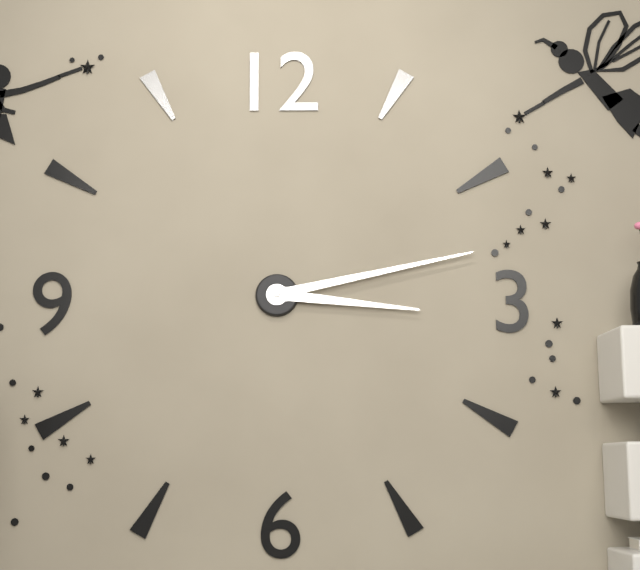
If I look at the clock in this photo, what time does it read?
3:13
